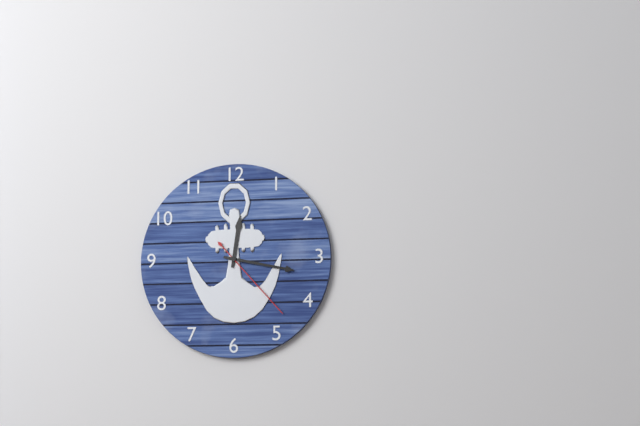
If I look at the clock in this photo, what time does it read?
12:17:23
